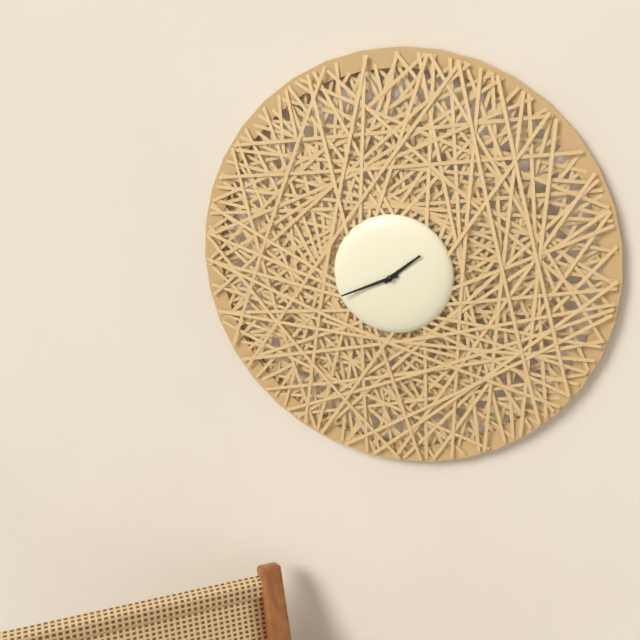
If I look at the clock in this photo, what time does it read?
1:41
